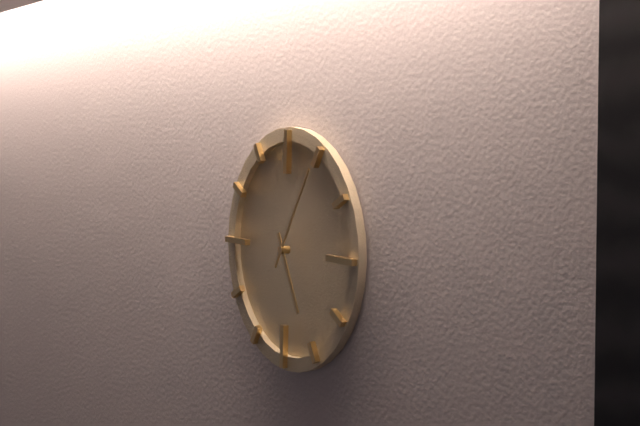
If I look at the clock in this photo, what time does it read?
5:05
